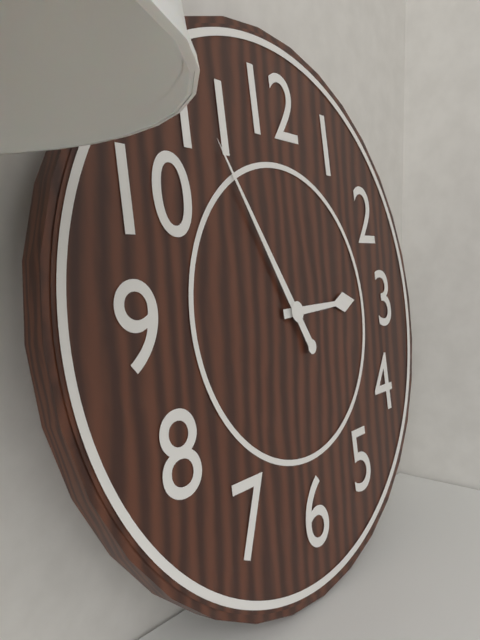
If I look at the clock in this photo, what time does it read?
2:55
